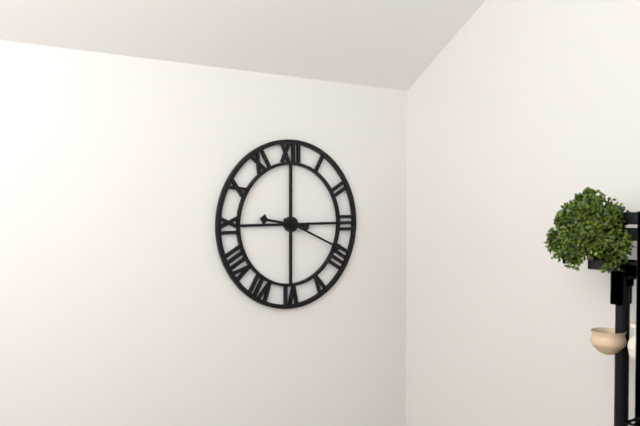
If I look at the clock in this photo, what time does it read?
9:19
